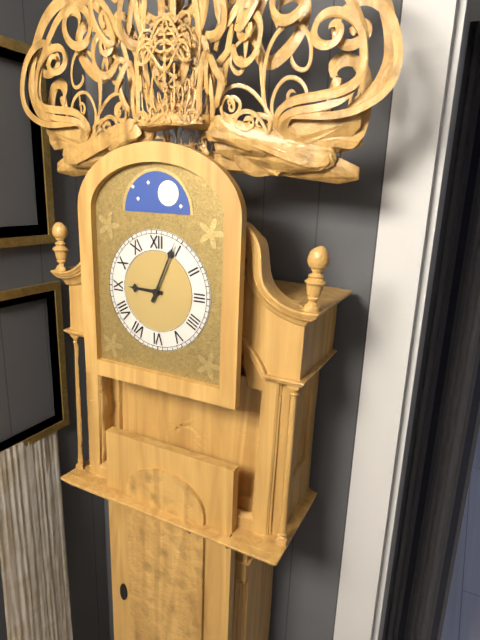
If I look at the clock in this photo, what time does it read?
9:04
